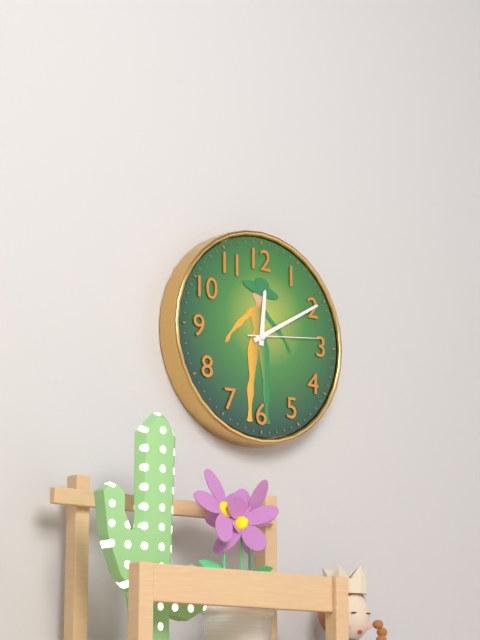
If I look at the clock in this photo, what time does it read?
12:10:14
